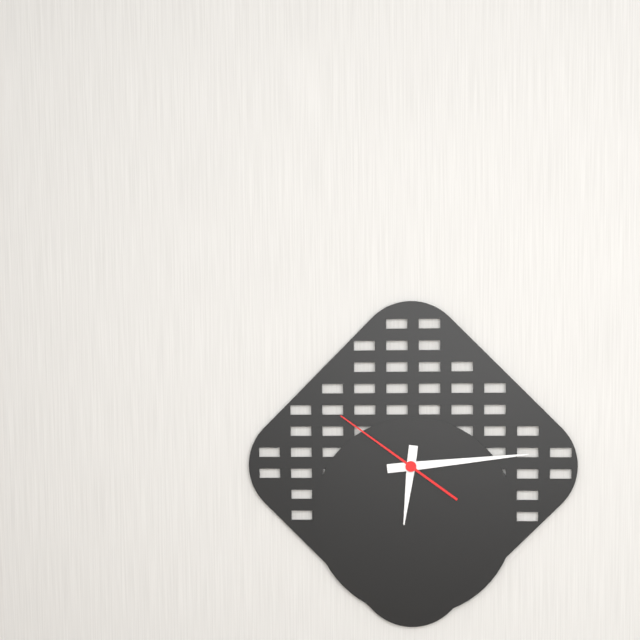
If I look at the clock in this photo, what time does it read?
6:14:51
